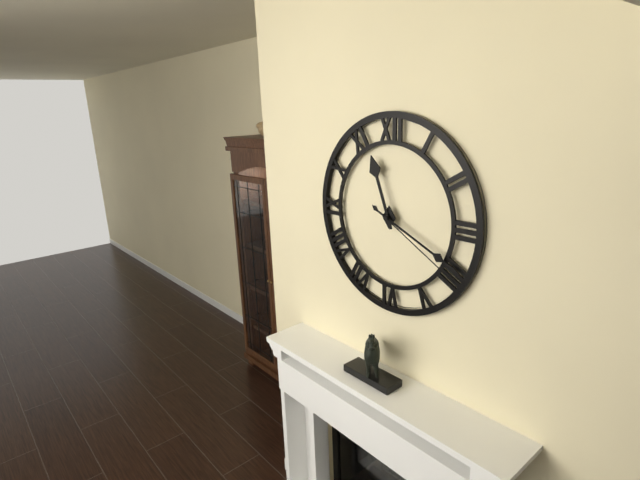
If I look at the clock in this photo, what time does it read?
11:19:20
